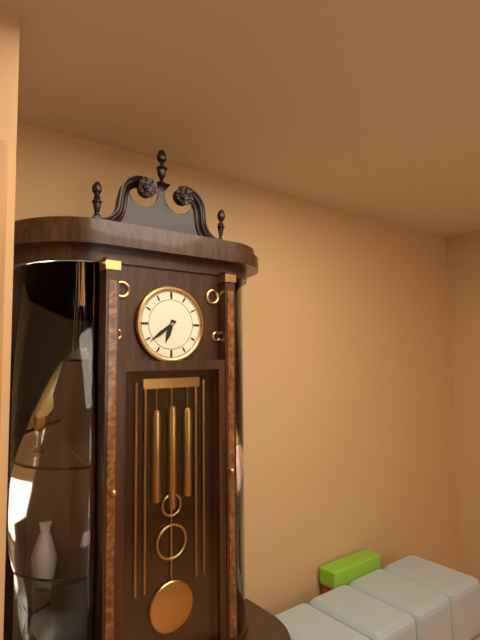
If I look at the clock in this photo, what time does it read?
6:39
